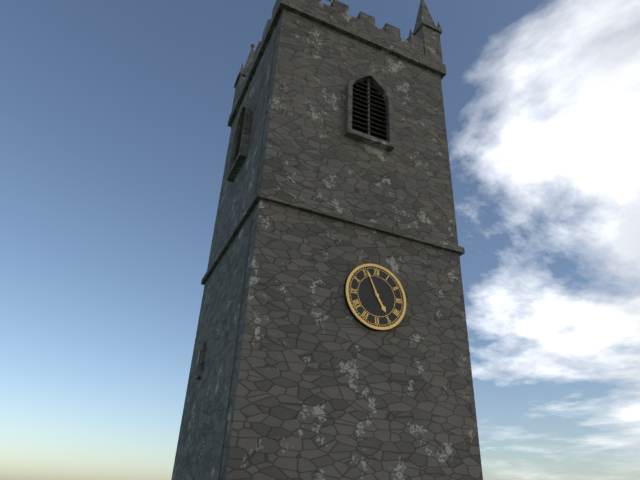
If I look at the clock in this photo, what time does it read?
4:56
